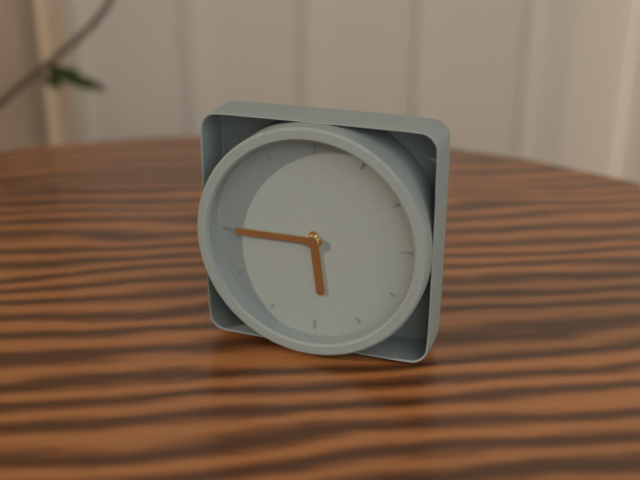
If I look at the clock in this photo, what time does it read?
5:45
